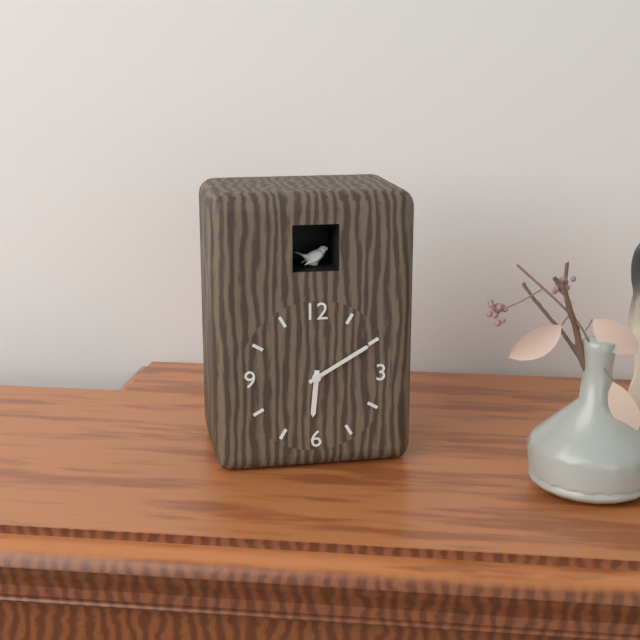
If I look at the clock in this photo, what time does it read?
6:10
